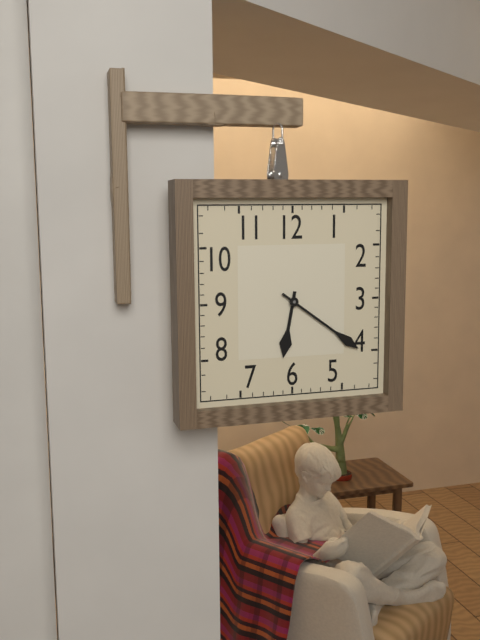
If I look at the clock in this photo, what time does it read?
6:21
